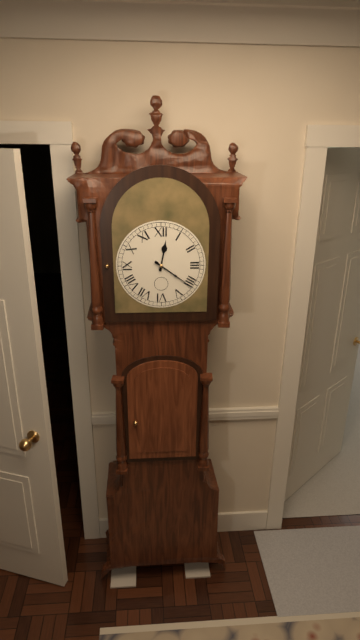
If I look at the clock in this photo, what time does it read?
12:21
